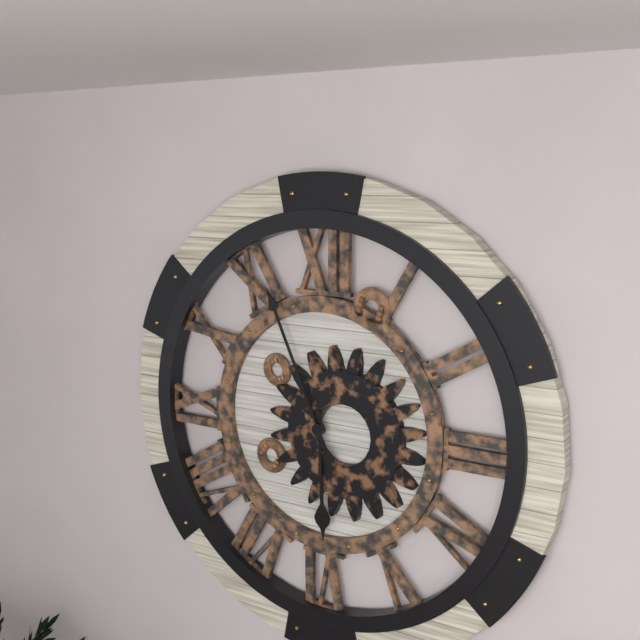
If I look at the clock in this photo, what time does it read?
5:56
